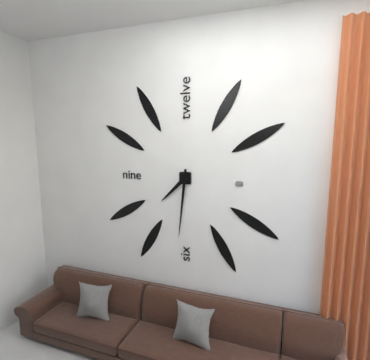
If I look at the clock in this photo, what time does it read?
7:31
